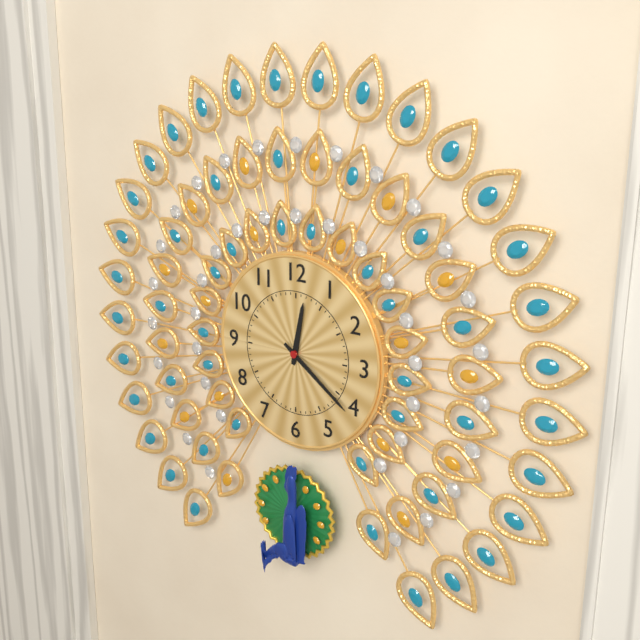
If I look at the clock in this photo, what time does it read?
12:21
